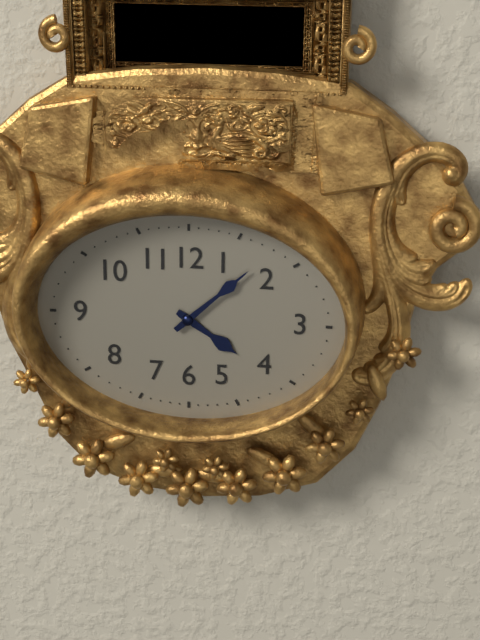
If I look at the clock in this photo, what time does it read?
4:08
